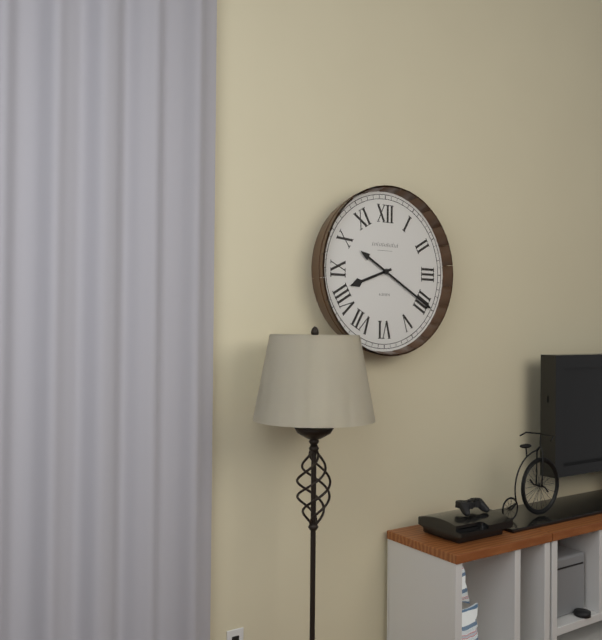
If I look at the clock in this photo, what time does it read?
8:20
